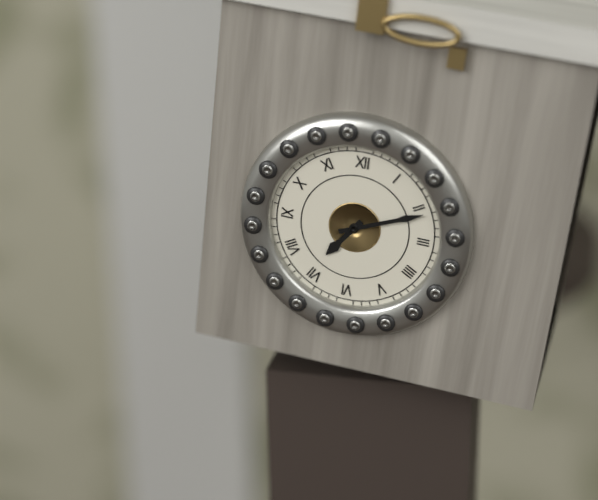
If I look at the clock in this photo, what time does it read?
7:11
